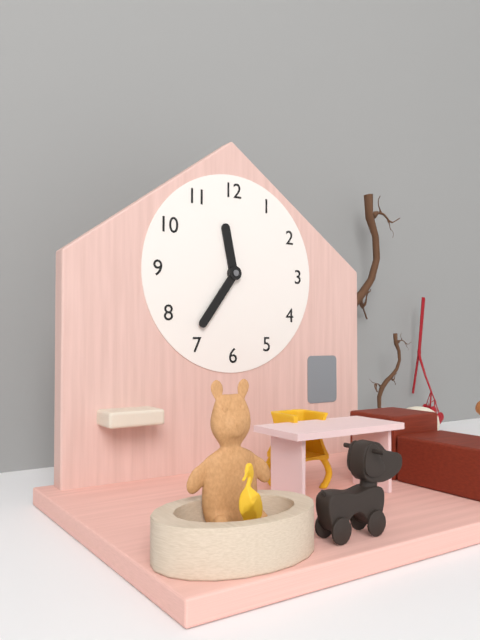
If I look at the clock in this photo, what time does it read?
11:36
